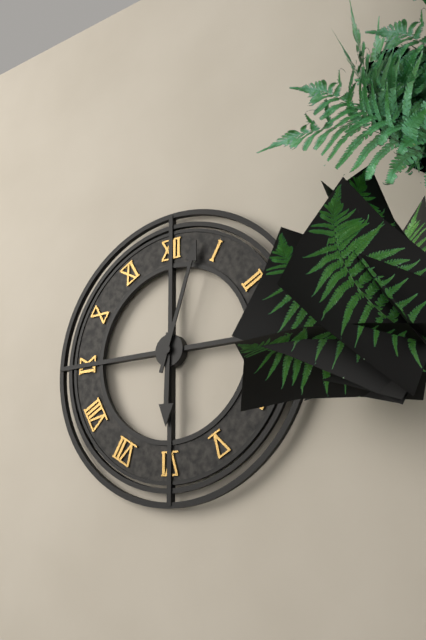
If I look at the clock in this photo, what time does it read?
6:03
